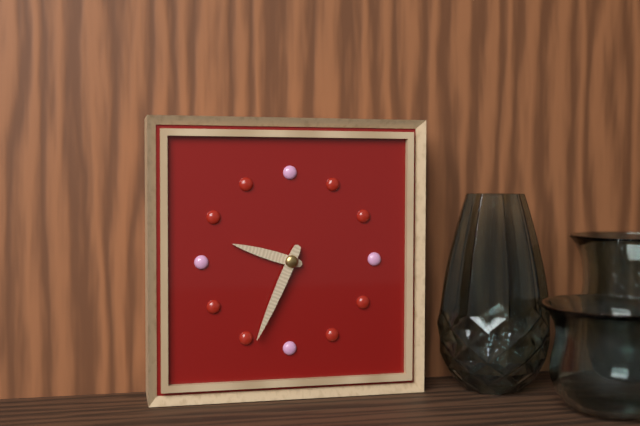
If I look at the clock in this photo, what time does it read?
9:34
